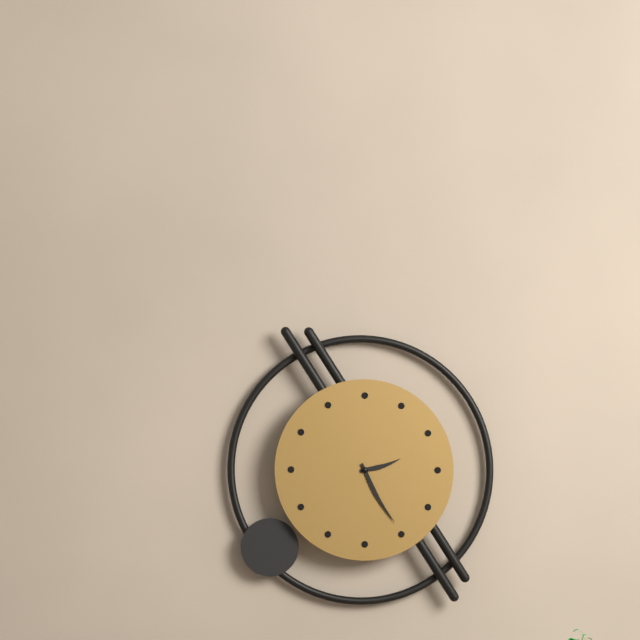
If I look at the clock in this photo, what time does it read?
2:25
